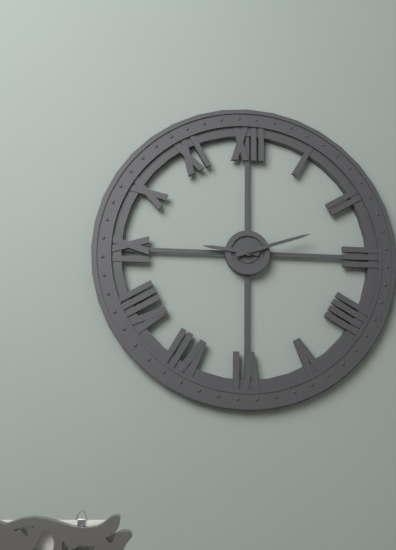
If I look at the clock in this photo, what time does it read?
9:12
